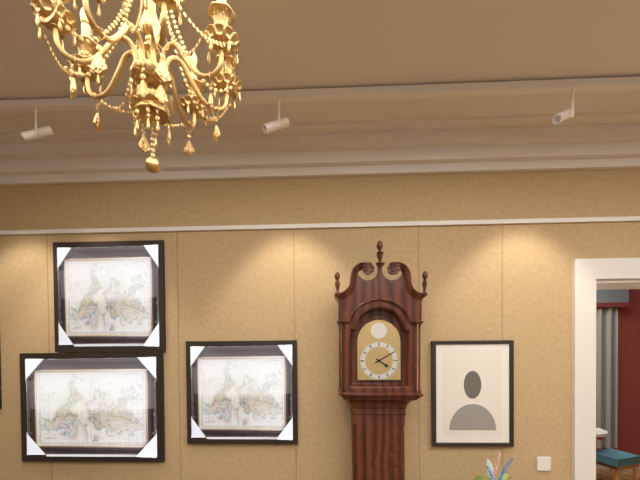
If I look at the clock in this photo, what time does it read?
4:10
